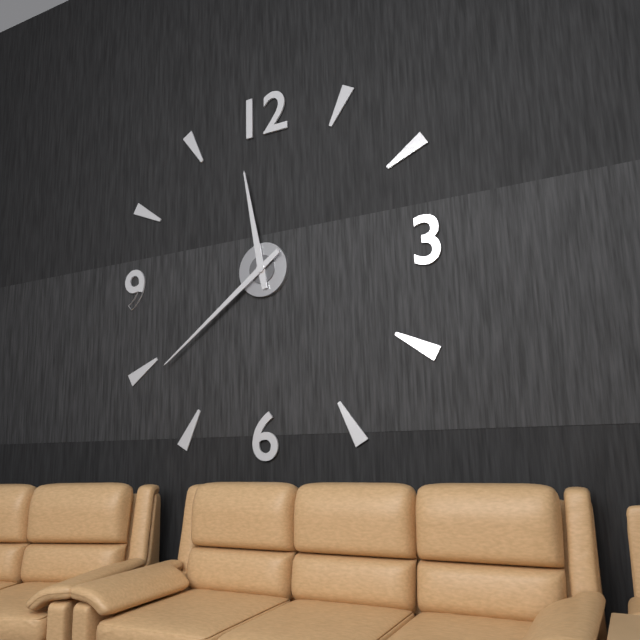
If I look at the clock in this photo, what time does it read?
11:39
